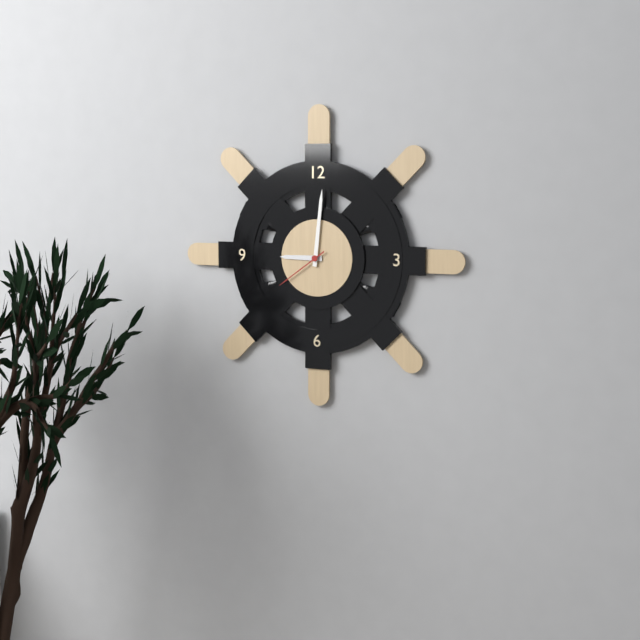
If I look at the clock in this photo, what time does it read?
9:01:39
